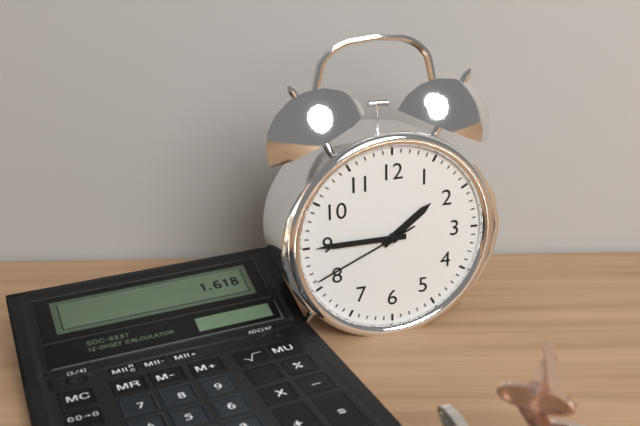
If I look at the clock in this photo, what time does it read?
1:45:41
